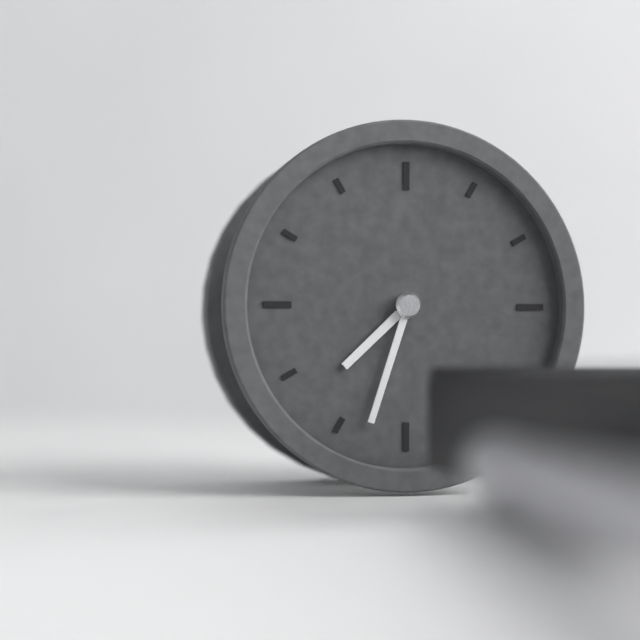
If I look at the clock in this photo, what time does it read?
7:33
